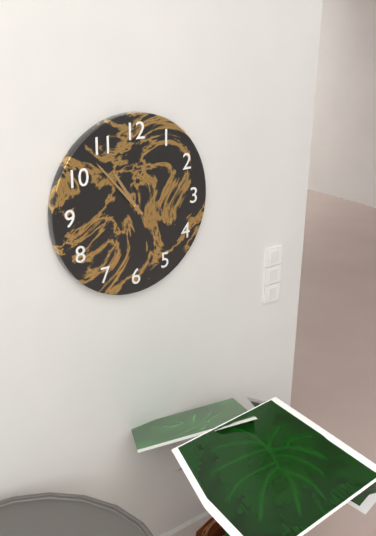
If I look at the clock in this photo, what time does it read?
10:53
